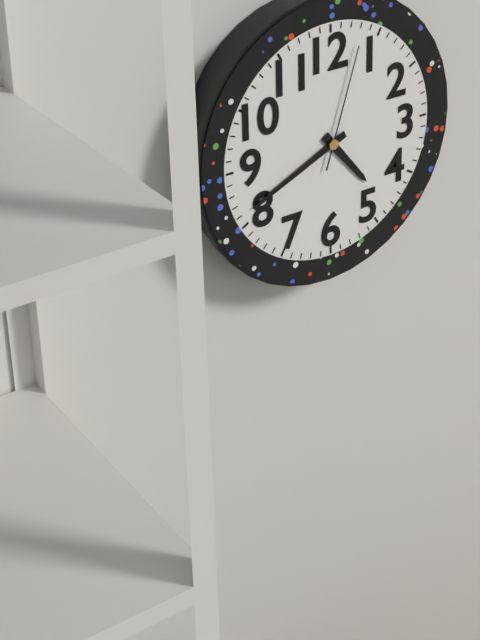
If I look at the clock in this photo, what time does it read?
4:41:03
